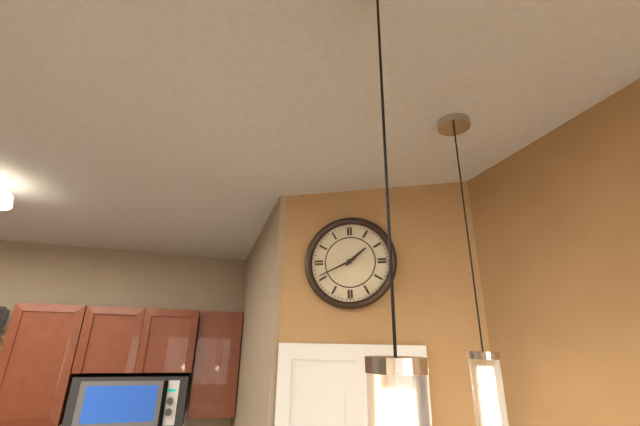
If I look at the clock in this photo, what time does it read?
1:41
